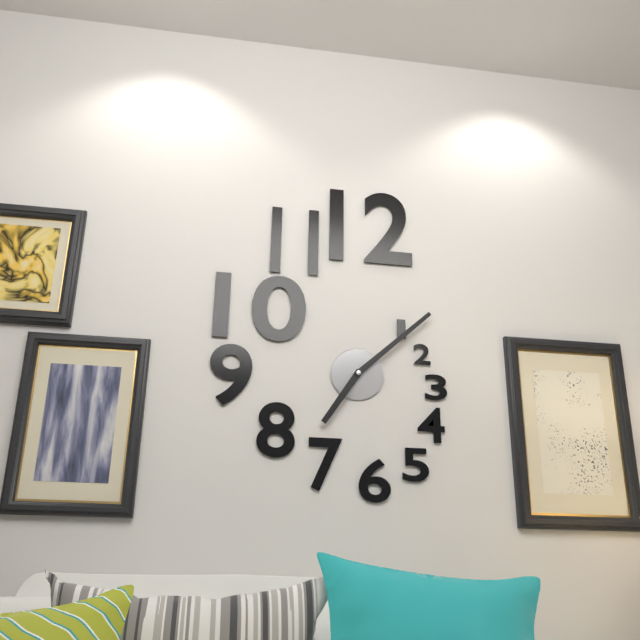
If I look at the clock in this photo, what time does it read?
7:08
